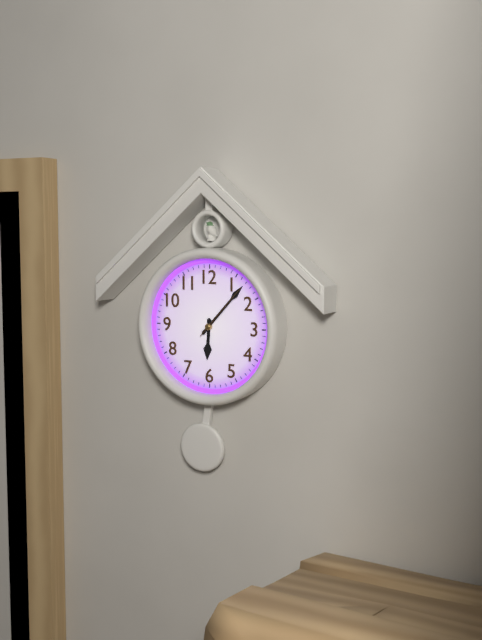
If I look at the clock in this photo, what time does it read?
6:07:07
